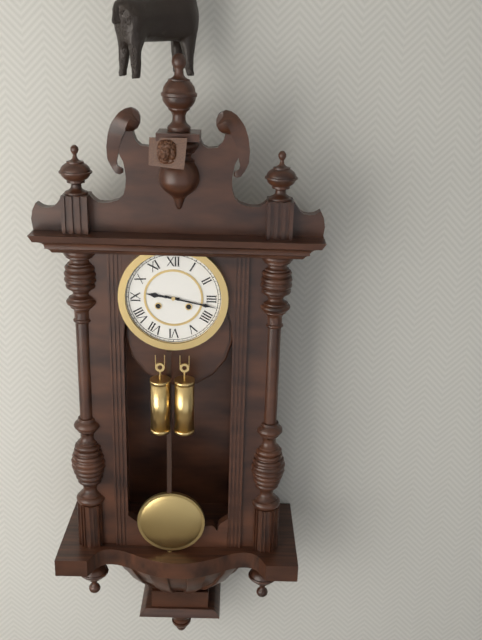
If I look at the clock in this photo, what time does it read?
9:17
